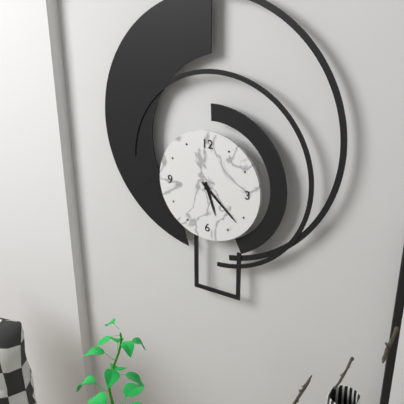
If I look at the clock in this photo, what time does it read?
5:22
